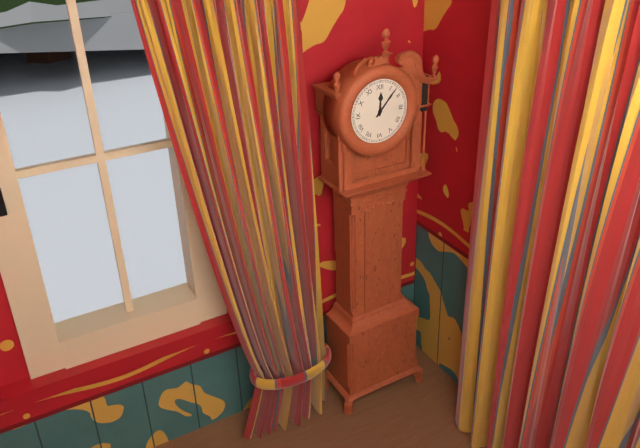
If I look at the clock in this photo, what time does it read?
12:07
